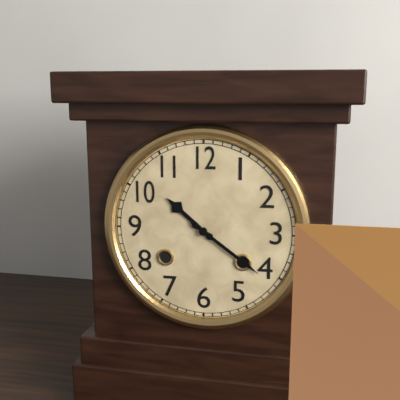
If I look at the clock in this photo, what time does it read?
10:21
